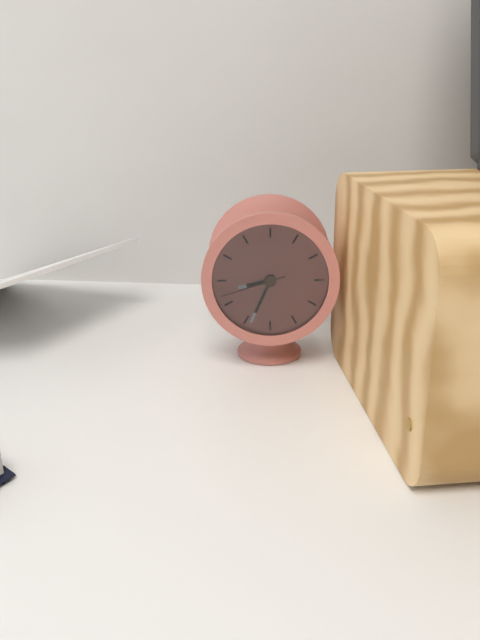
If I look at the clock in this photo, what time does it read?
8:34:42
